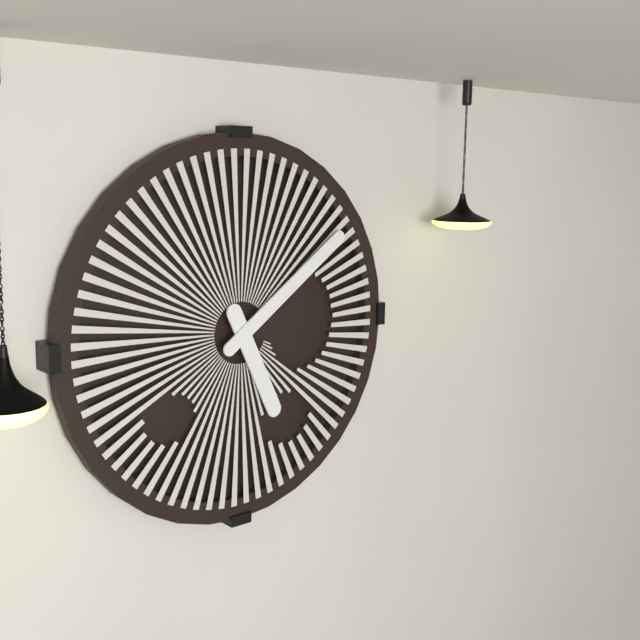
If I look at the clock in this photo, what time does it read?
5:09
